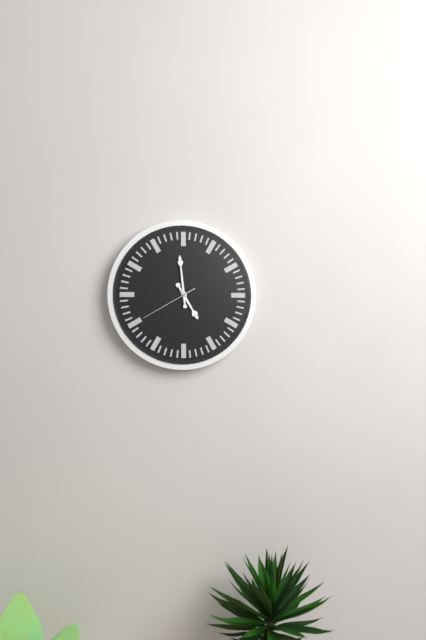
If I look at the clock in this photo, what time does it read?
4:59:40
